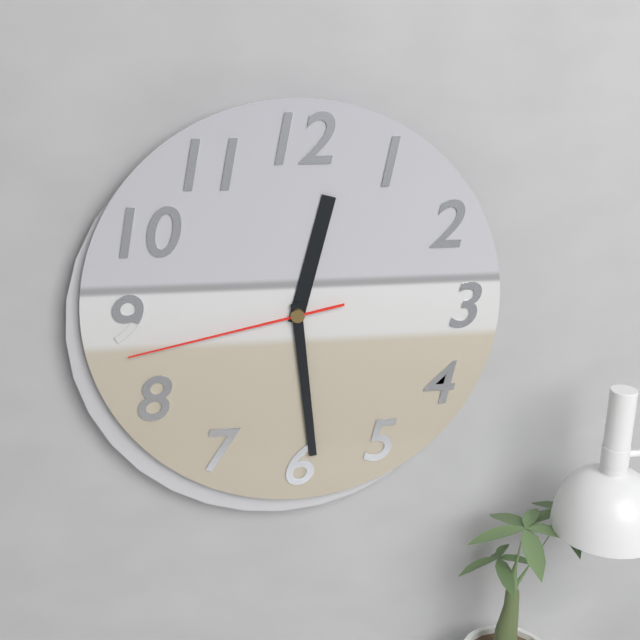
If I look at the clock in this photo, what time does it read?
12:29:43
